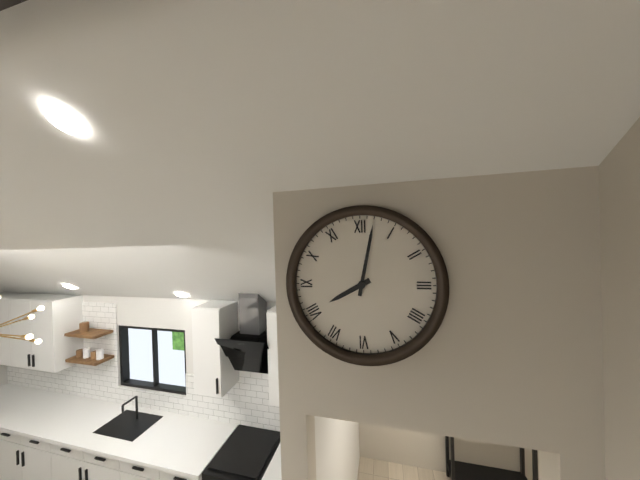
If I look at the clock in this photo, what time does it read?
8:02
